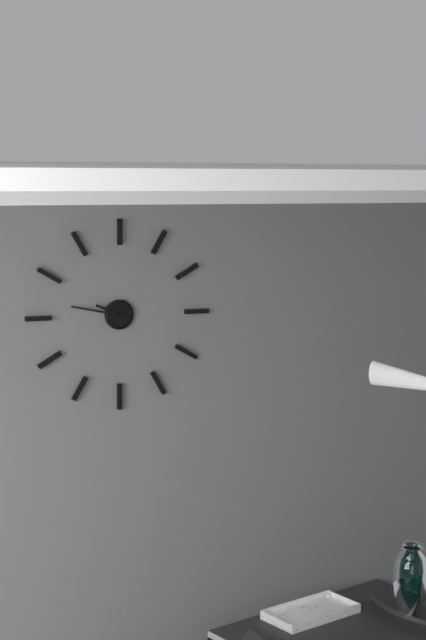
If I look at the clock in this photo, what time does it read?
9:47
